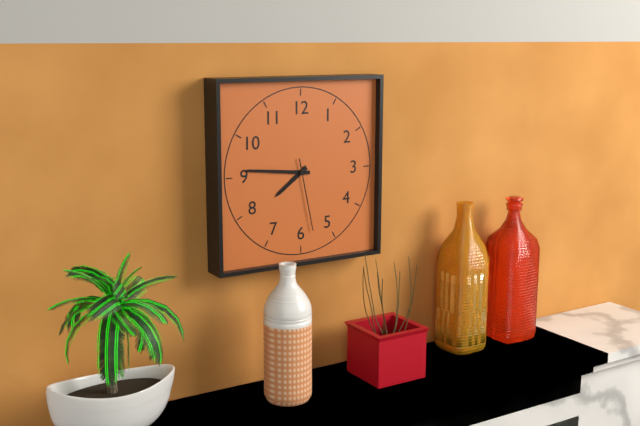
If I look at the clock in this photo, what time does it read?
7:46:28
